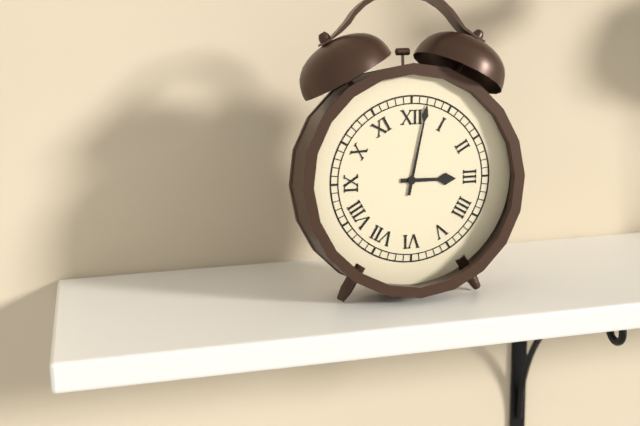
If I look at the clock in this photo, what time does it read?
3:02
